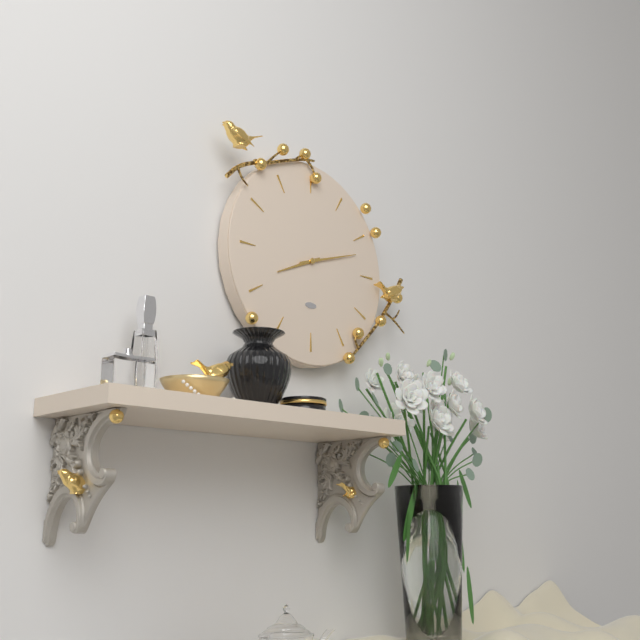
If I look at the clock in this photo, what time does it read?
8:12
